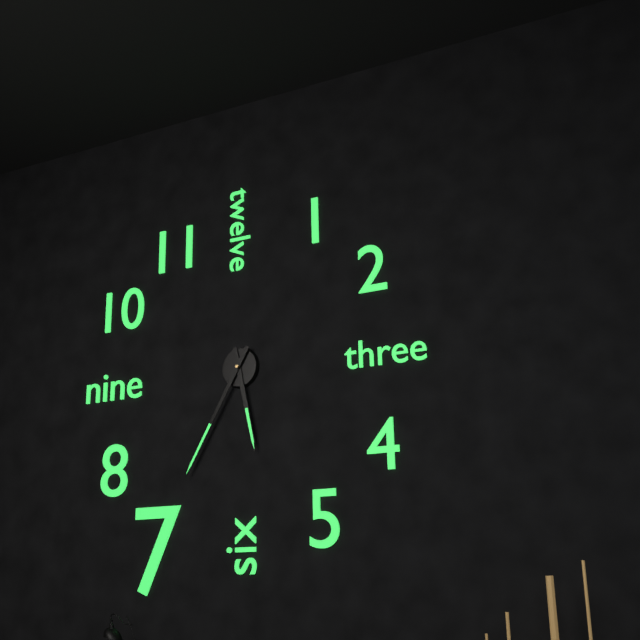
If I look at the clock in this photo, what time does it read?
5:35
